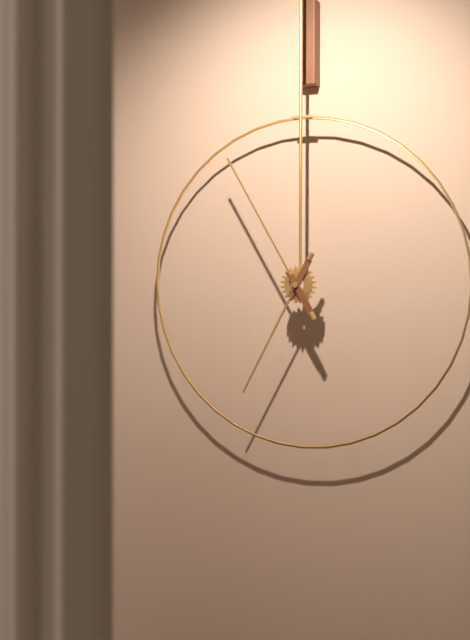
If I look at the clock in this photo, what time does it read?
6:55
